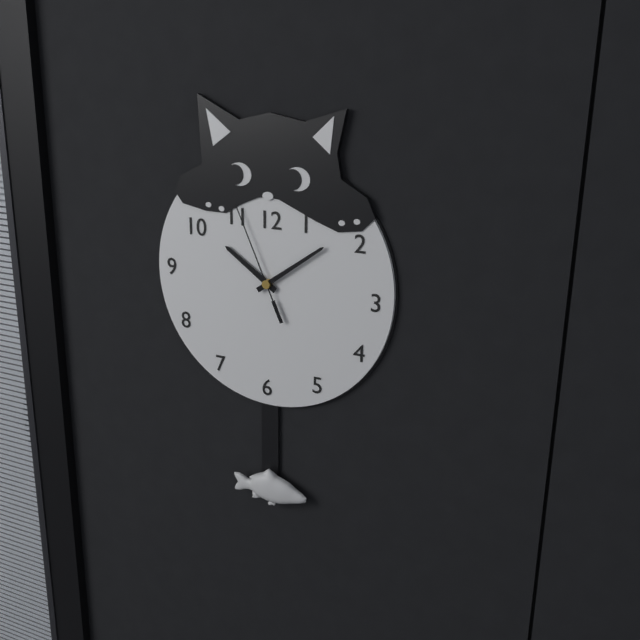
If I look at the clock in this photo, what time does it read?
10:09:56
